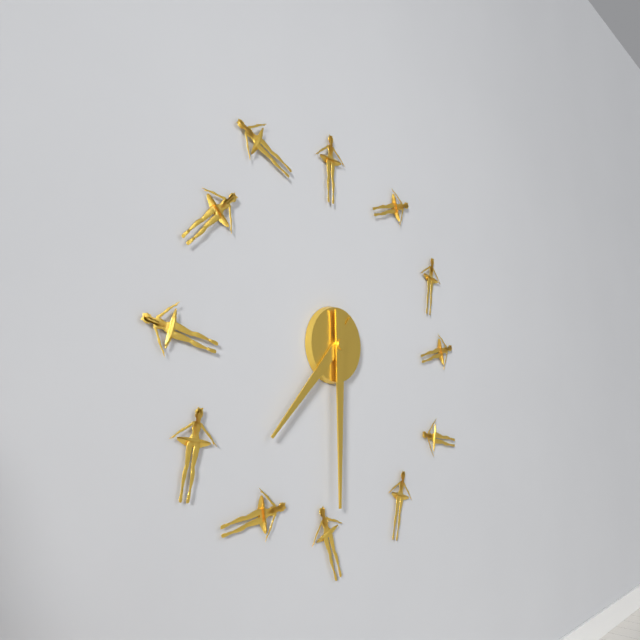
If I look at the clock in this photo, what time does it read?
7:30
